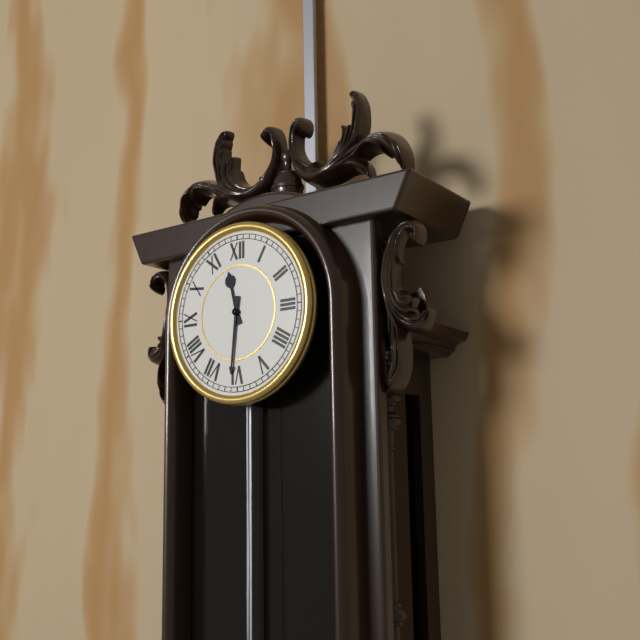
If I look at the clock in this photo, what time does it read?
11:31
